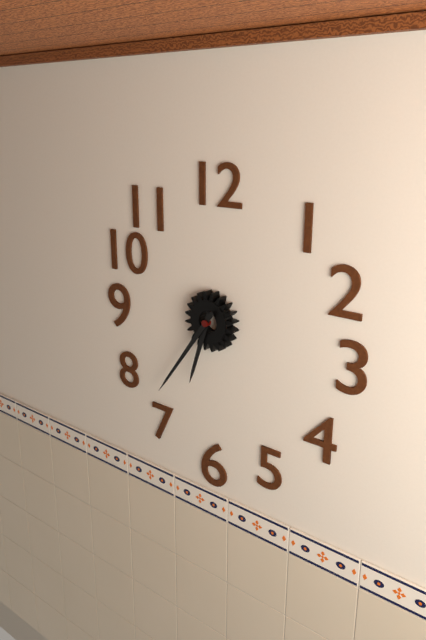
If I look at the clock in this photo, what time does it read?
6:36
